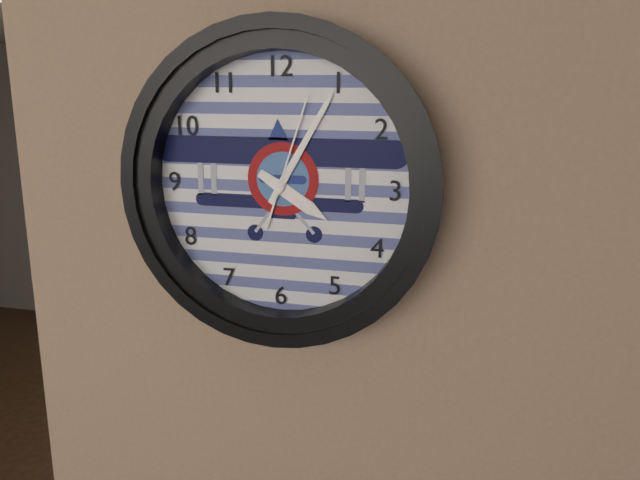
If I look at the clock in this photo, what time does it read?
4:05:03
